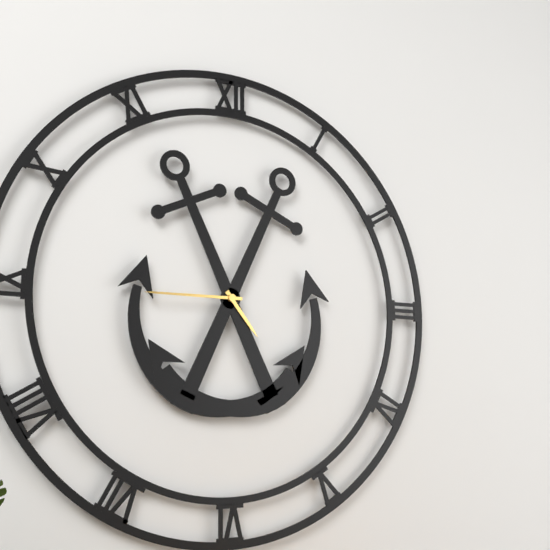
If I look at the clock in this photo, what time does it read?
4:45
